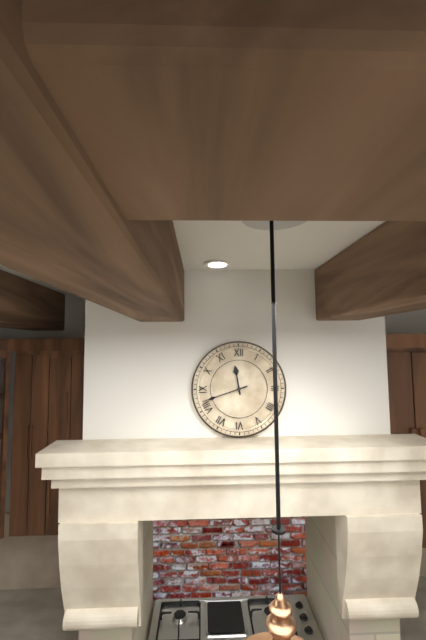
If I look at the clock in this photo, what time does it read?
11:42
